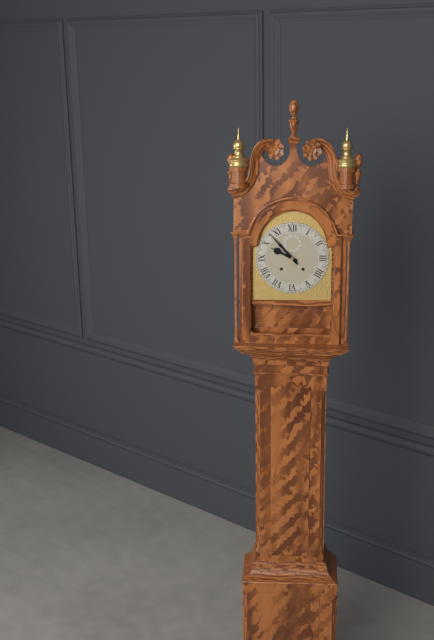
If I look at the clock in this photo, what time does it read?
9:53
